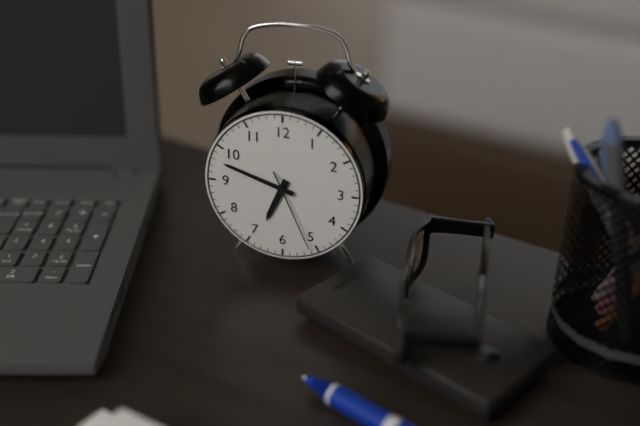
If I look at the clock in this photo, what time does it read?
6:48:26
